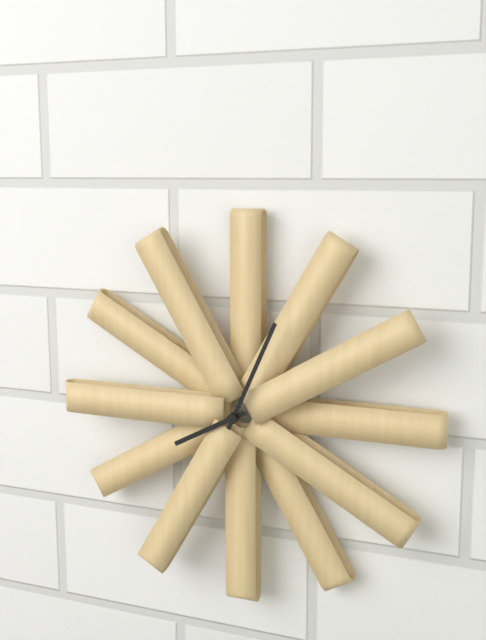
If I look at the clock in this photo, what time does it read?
8:04
